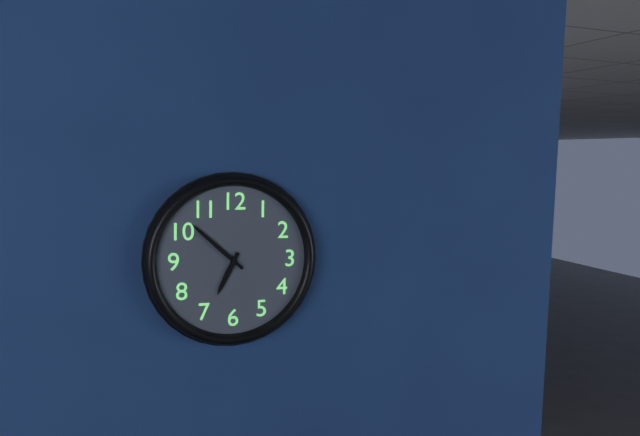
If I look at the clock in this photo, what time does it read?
6:52
